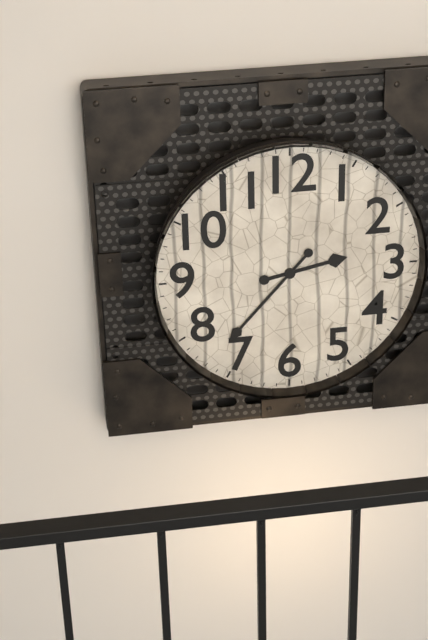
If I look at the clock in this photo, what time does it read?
2:37
